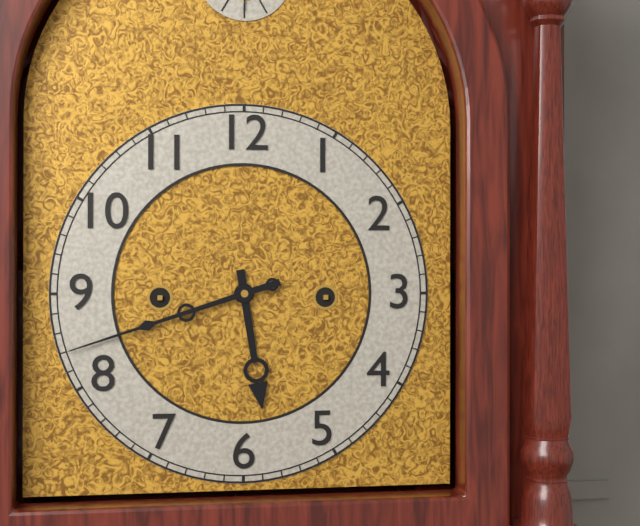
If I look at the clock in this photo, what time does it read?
5:42
